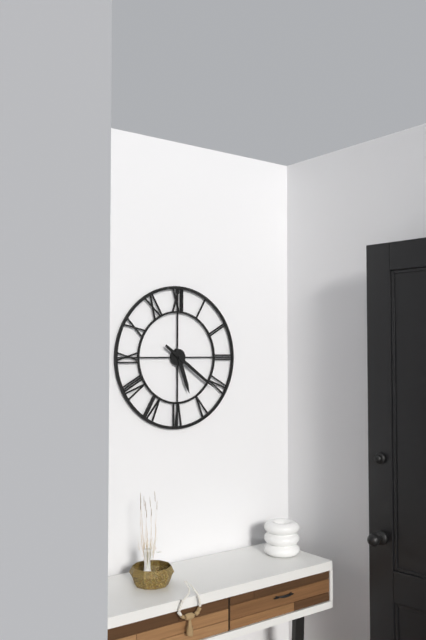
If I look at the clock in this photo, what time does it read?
5:21
